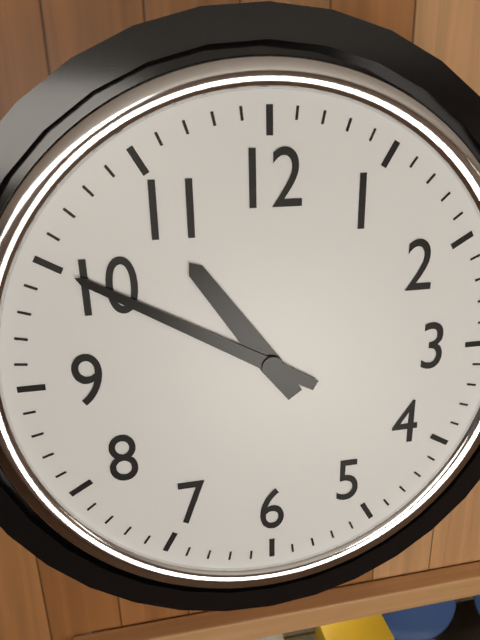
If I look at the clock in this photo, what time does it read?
10:50
